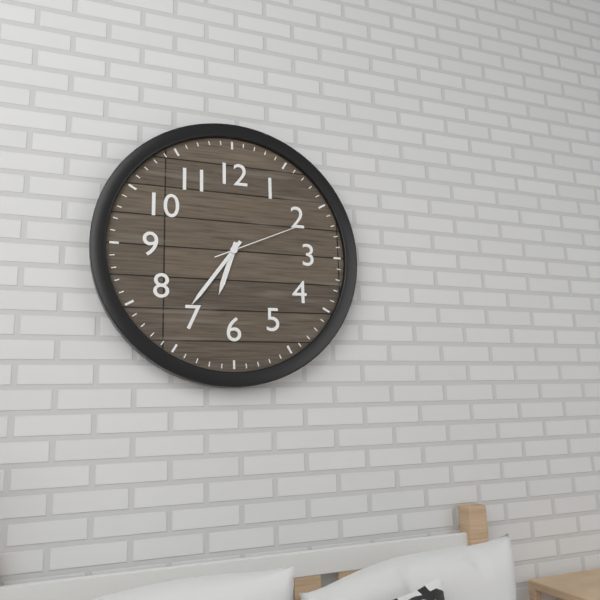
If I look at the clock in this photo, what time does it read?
6:36:11
